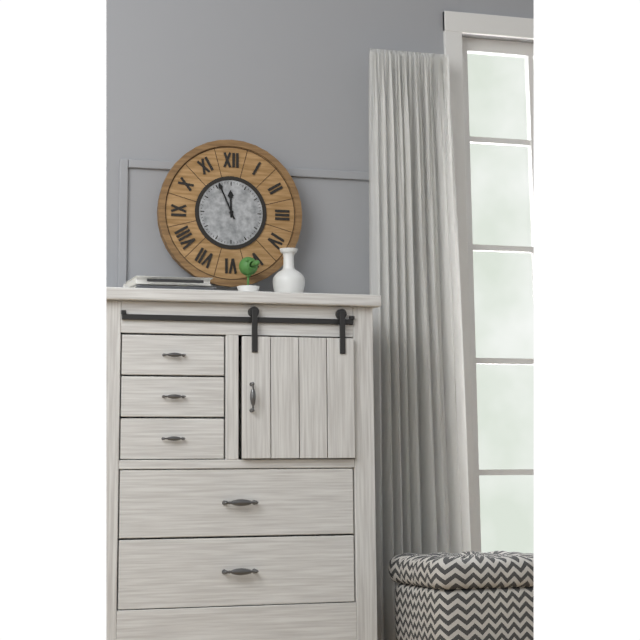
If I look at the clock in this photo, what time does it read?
11:56
